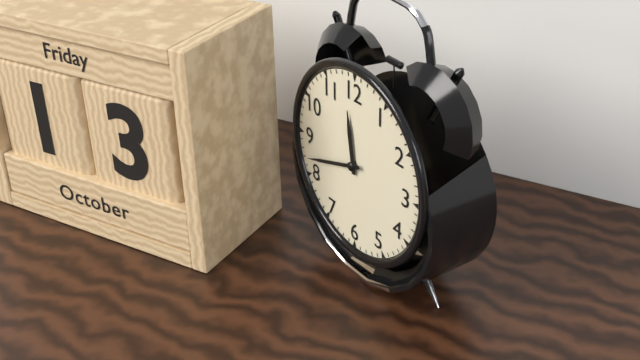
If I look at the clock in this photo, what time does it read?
11:42
